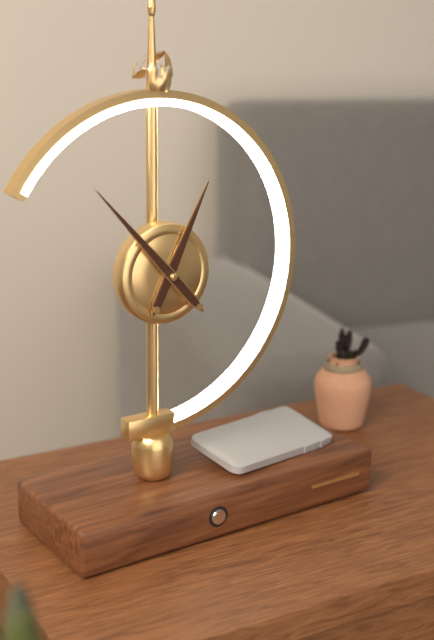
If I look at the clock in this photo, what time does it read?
12:53
